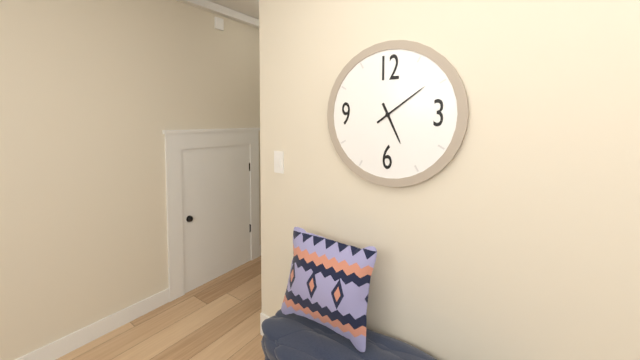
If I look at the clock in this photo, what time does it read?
5:09
